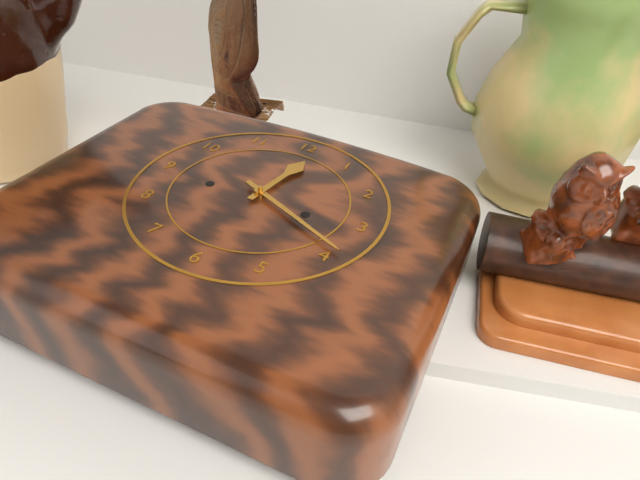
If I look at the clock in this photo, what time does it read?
12:19
